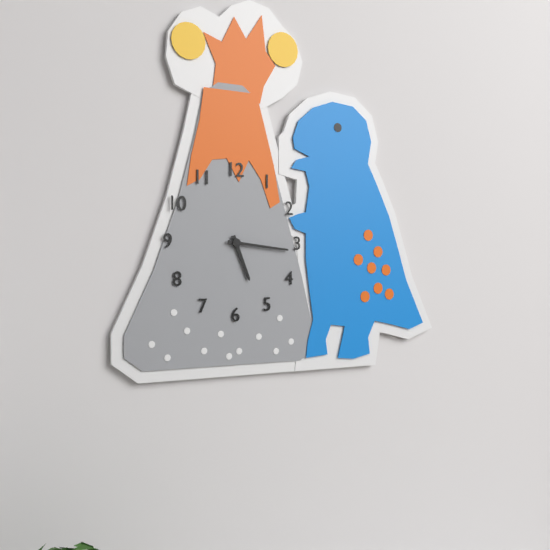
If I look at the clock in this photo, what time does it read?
5:16
